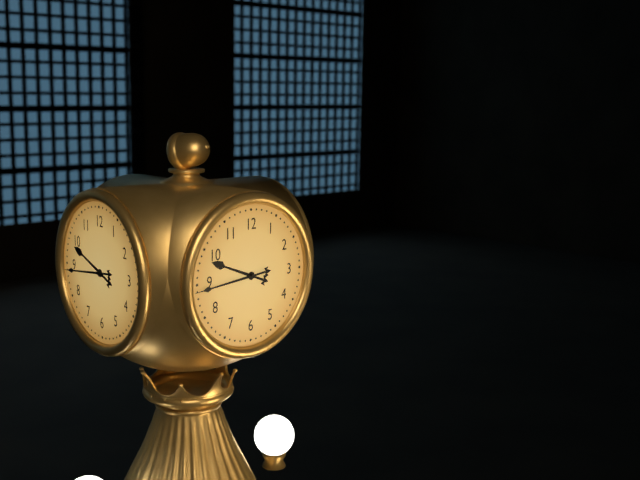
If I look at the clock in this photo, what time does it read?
9:44
